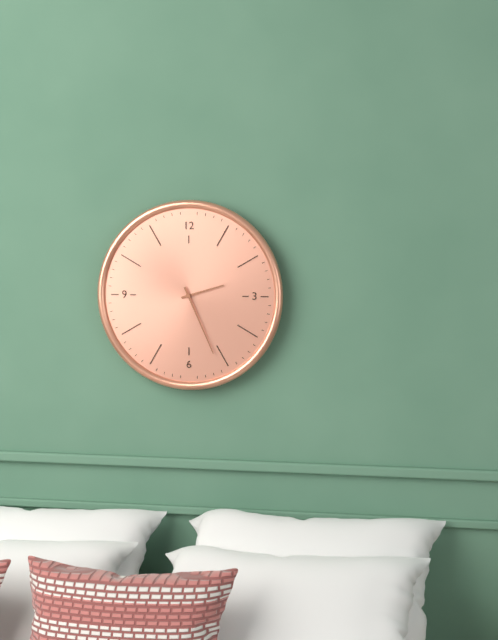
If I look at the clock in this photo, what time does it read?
2:26
